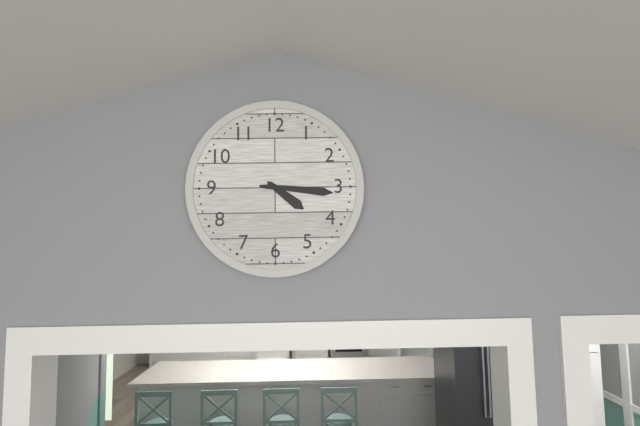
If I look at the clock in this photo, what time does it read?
4:16
